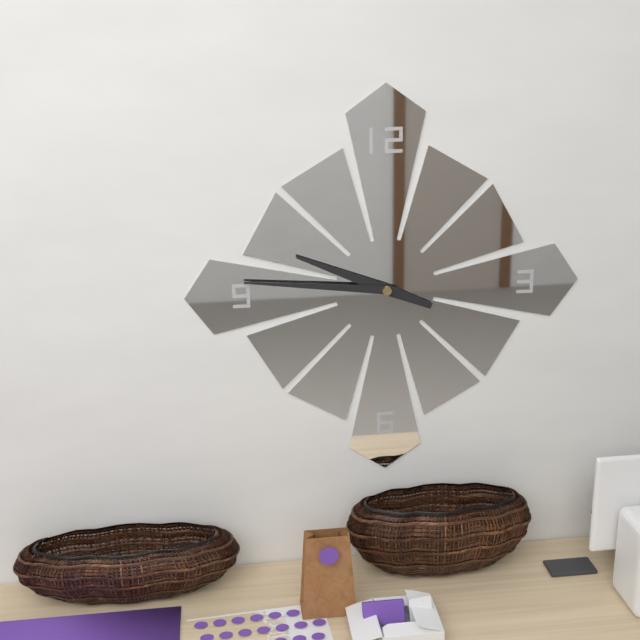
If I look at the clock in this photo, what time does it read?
9:46
